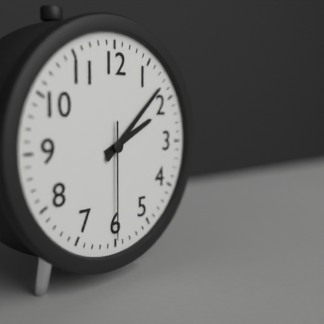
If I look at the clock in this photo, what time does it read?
2:08:30
